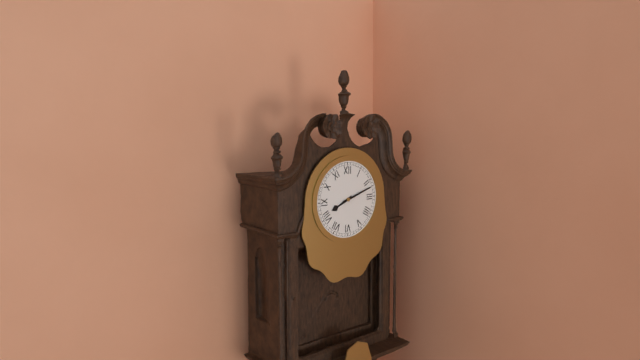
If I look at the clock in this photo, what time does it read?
8:12
